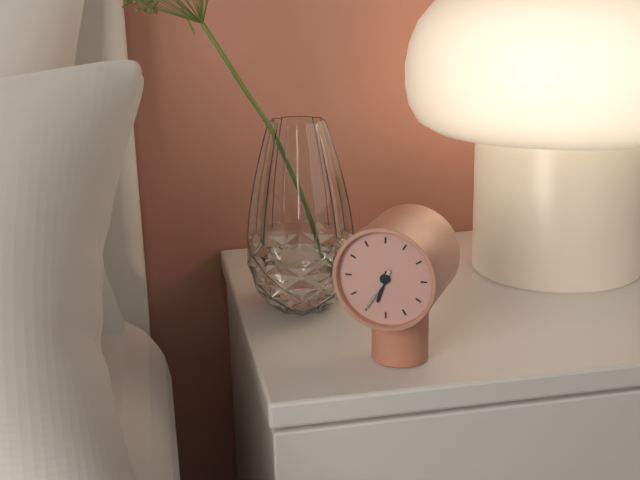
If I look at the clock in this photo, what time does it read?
6:35
